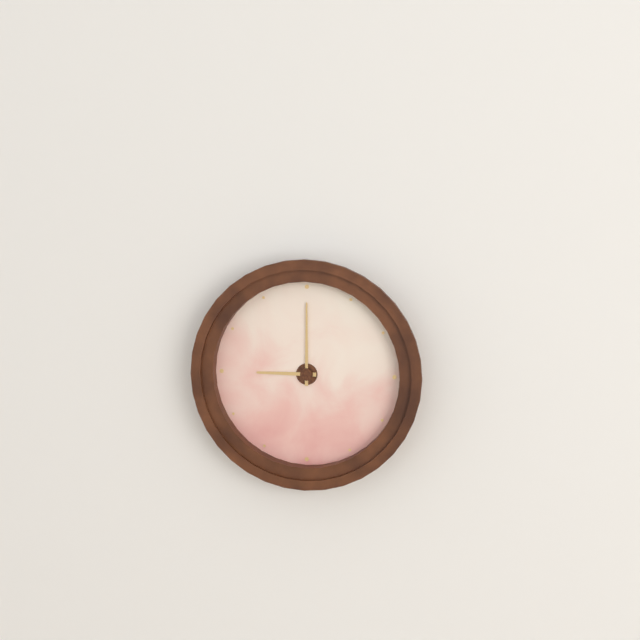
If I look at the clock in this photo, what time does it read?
9:00
